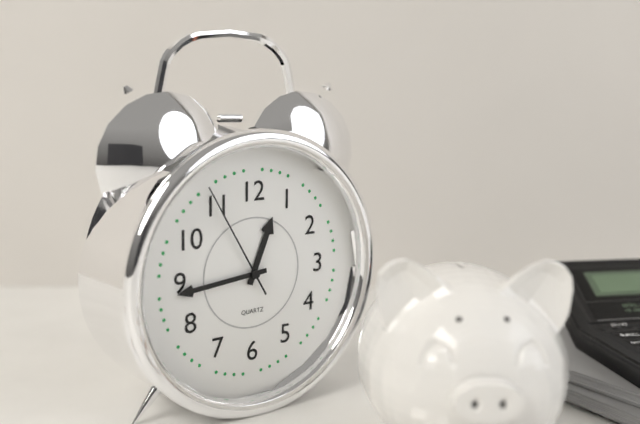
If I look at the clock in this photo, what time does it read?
12:44:55
